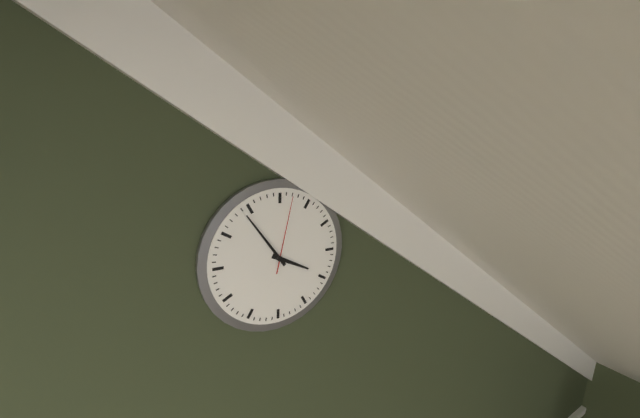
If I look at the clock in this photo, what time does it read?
3:54:02
